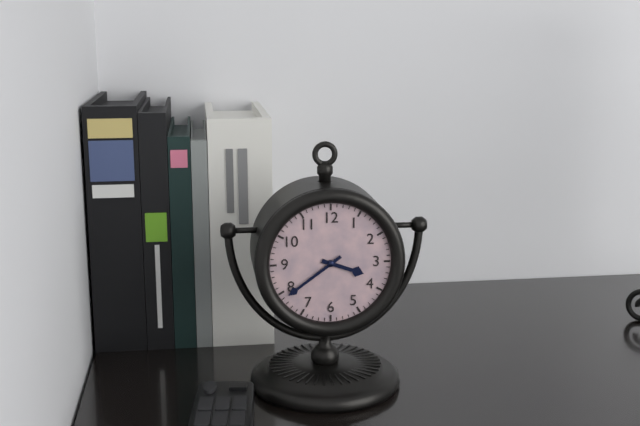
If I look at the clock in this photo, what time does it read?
3:39
